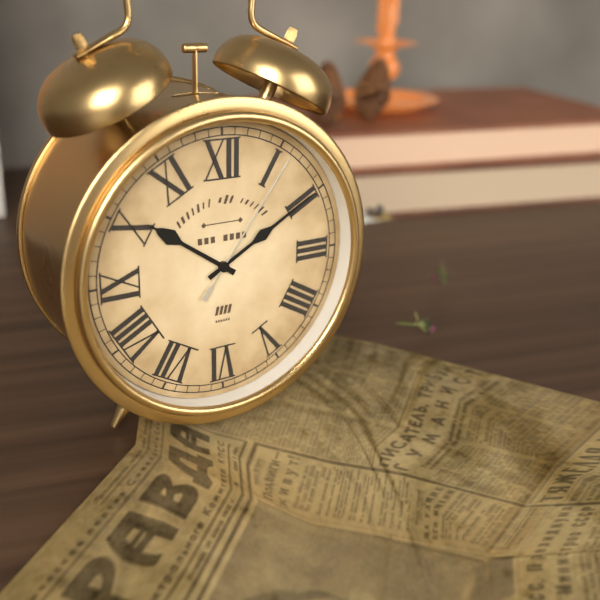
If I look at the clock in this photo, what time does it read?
10:10:06
